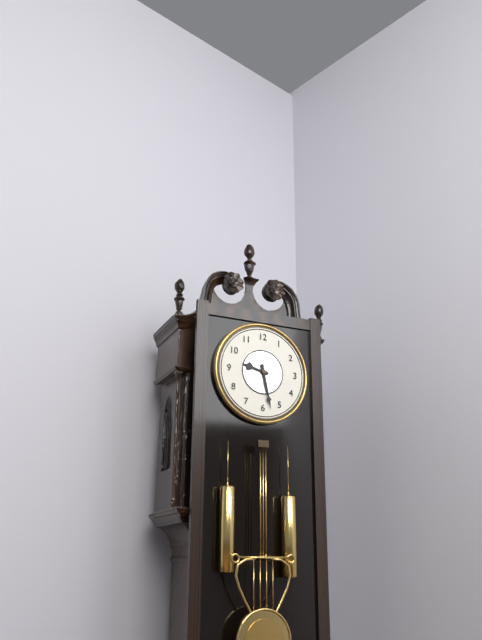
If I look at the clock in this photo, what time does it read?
9:28
